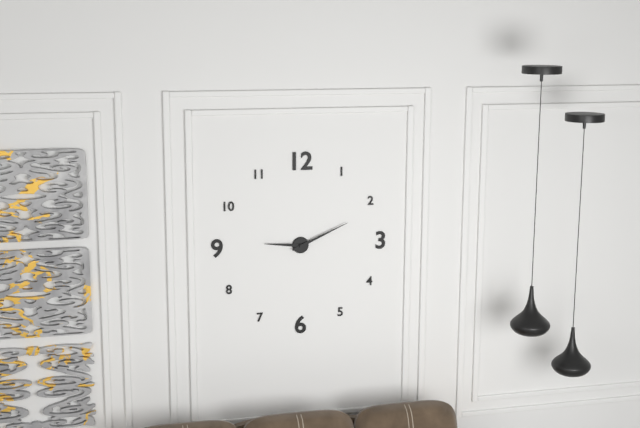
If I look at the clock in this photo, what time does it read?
9:11
